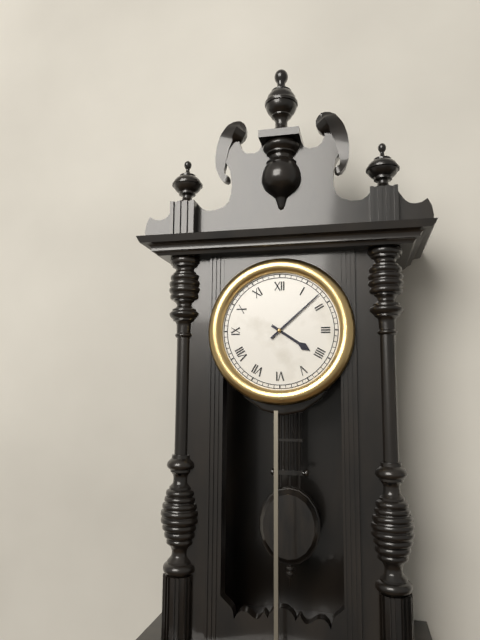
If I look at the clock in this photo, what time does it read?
4:08
